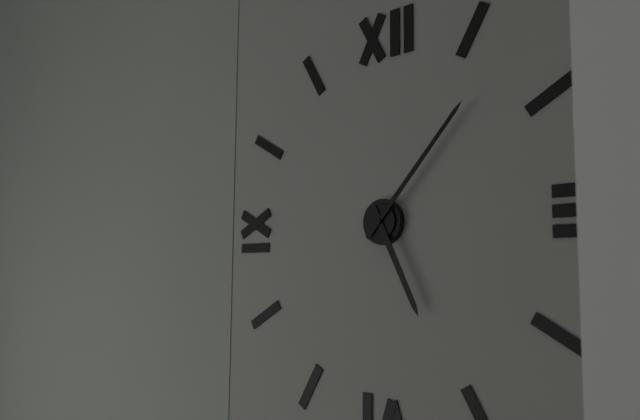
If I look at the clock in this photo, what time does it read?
5:07
